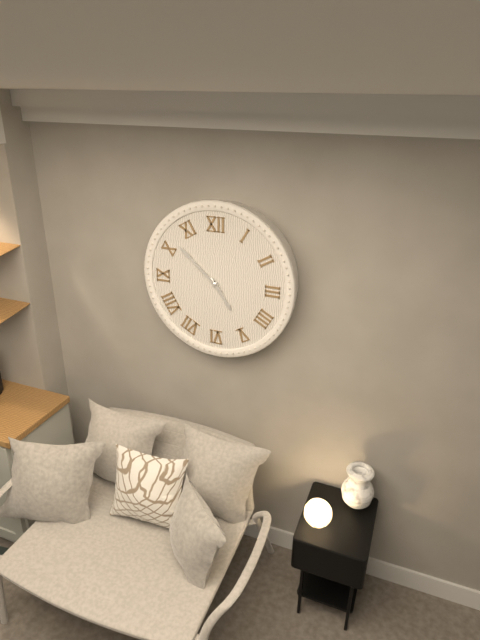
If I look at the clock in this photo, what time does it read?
4:52
